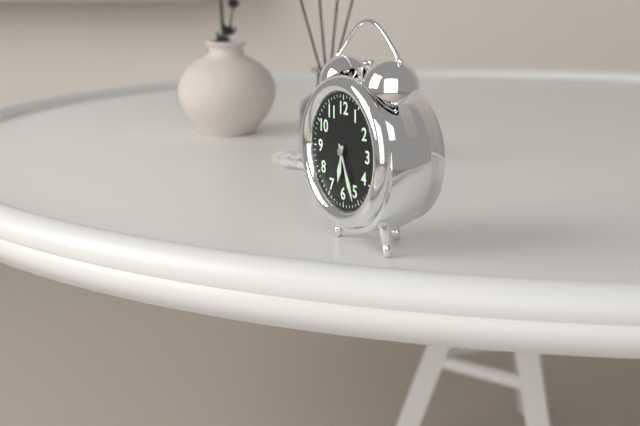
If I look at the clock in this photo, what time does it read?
6:26
